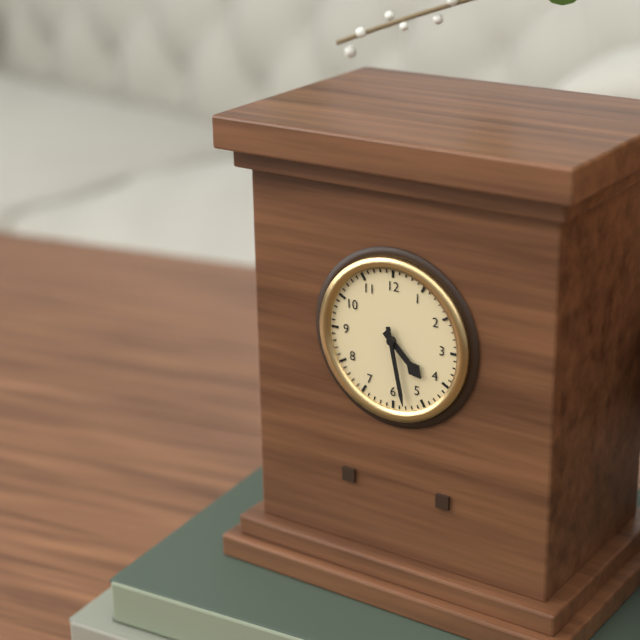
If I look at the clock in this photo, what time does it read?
4:28
